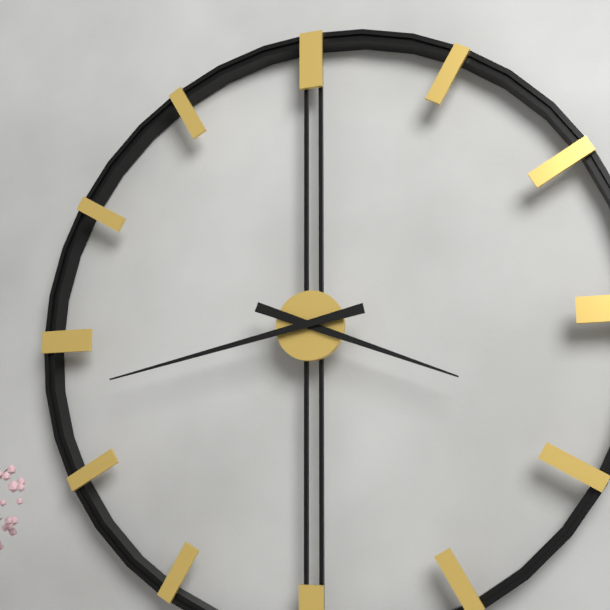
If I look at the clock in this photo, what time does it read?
3:43
